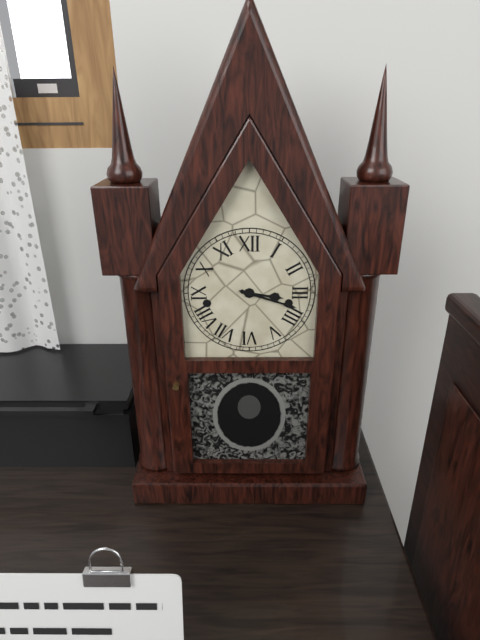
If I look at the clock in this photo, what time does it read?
3:18
